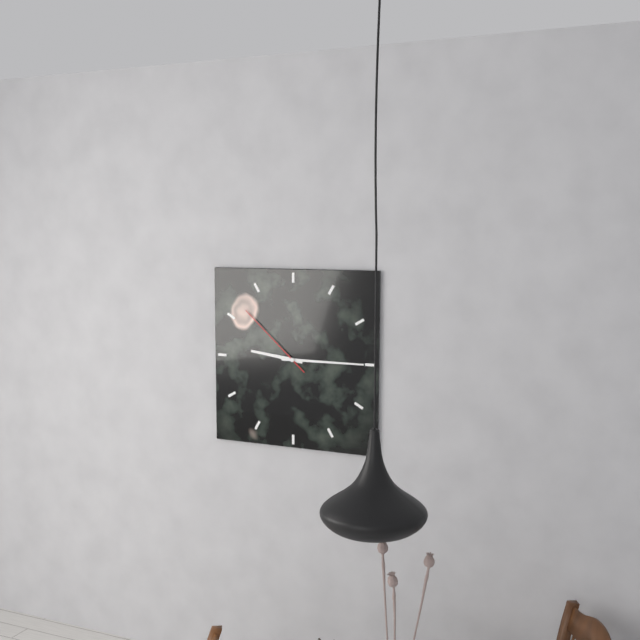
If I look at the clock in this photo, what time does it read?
9:15:52
